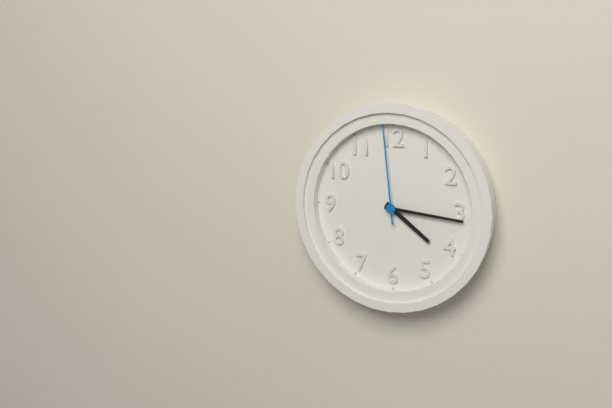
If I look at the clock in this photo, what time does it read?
4:16:59
